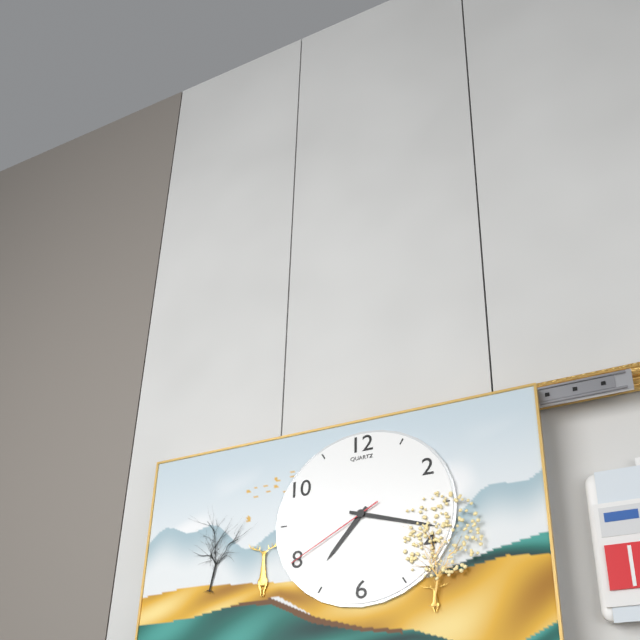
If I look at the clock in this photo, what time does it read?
7:18:40
